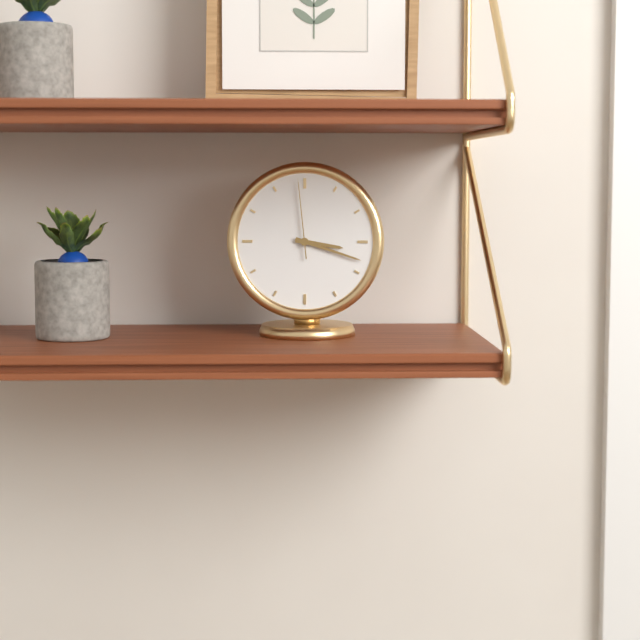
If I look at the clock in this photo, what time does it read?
3:18:59
